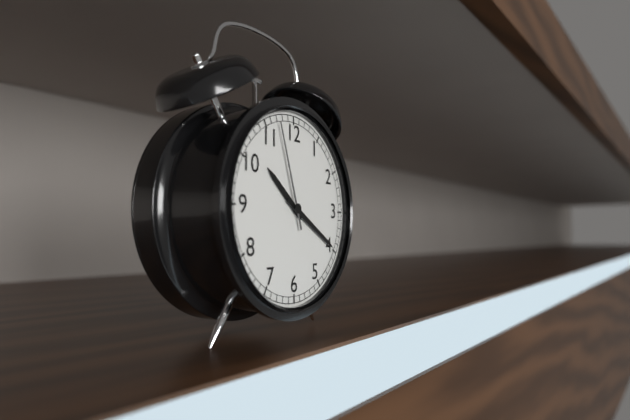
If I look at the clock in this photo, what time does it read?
10:20:57
